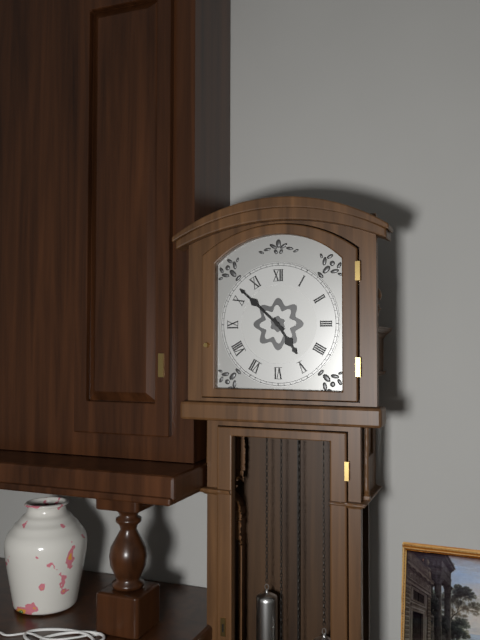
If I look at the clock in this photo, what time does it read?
4:52
